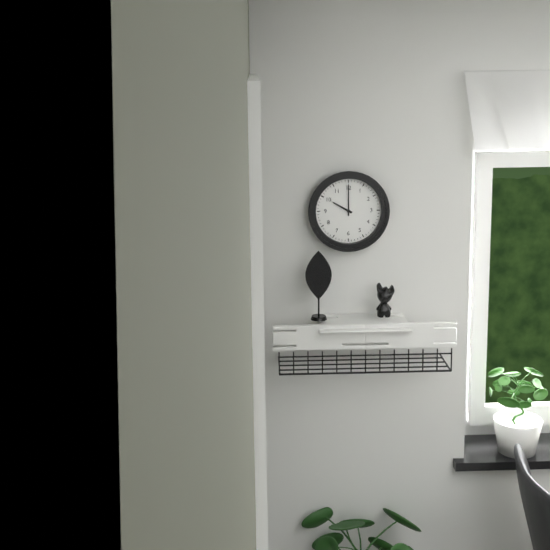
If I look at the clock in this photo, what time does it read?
10:00
